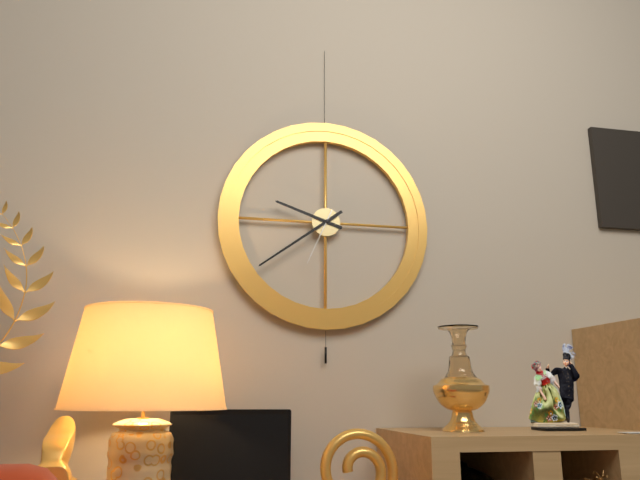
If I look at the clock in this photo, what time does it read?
9:39:34
